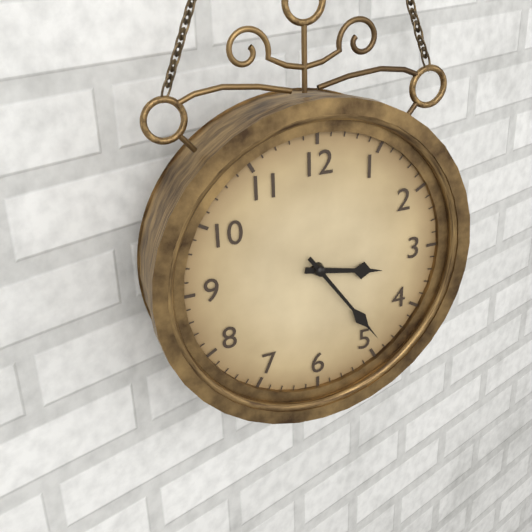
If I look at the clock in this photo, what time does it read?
3:24
